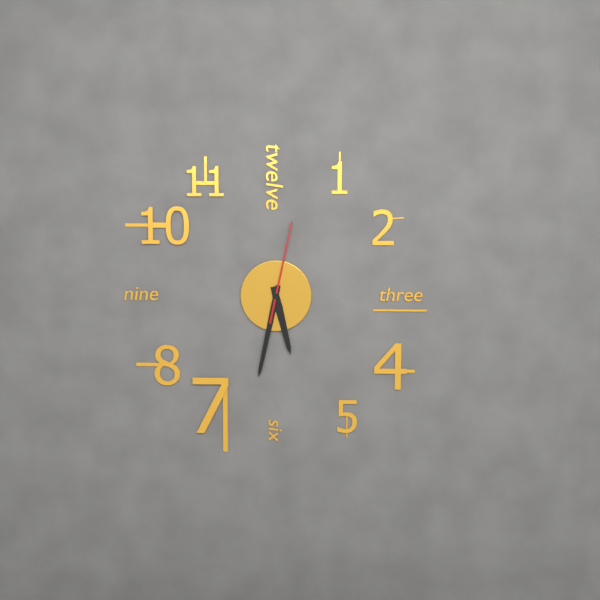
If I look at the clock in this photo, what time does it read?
5:32:02
